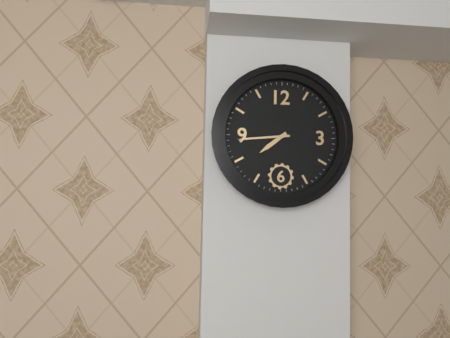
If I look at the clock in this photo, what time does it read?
7:44
